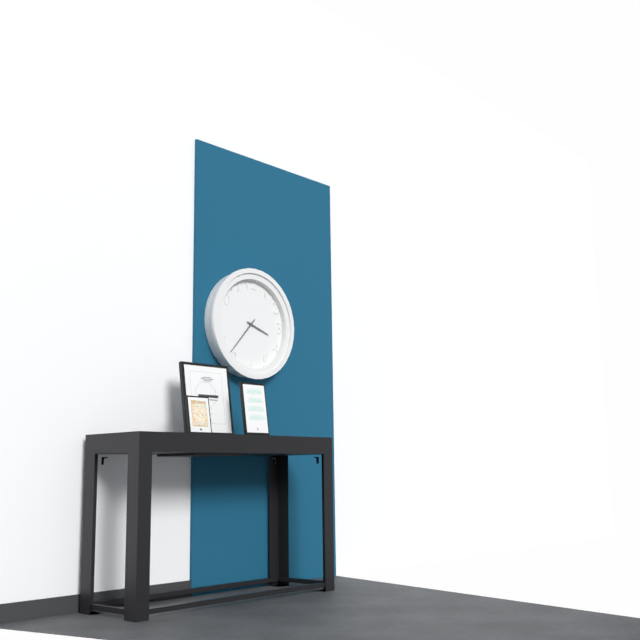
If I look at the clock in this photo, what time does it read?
3:37
